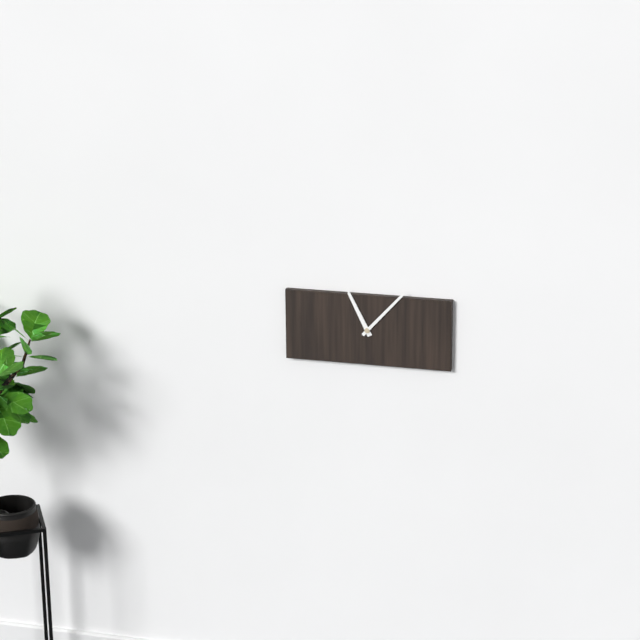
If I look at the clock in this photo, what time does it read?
11:07
